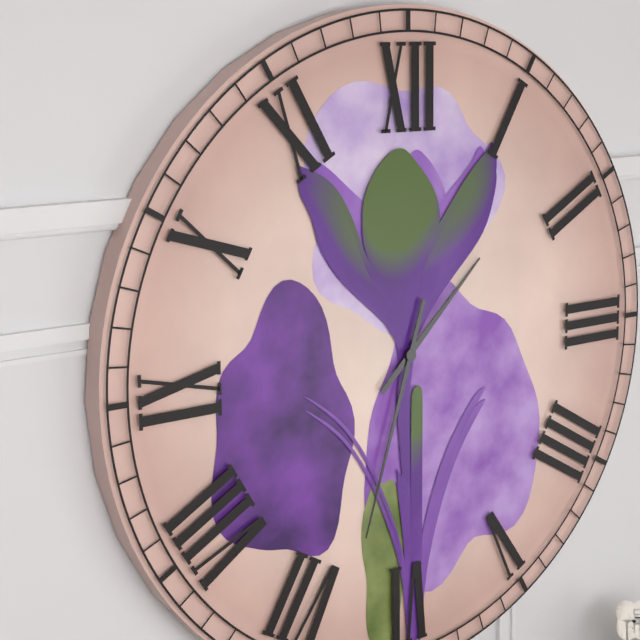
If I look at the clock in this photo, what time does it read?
1:33
